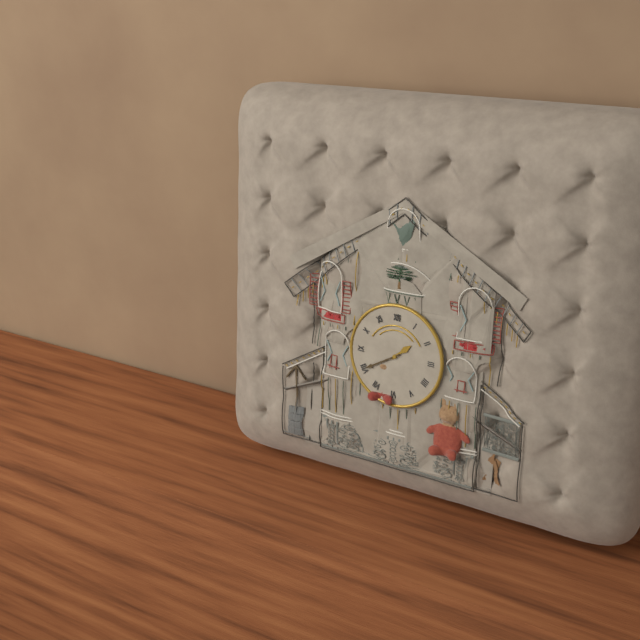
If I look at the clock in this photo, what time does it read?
1:40
